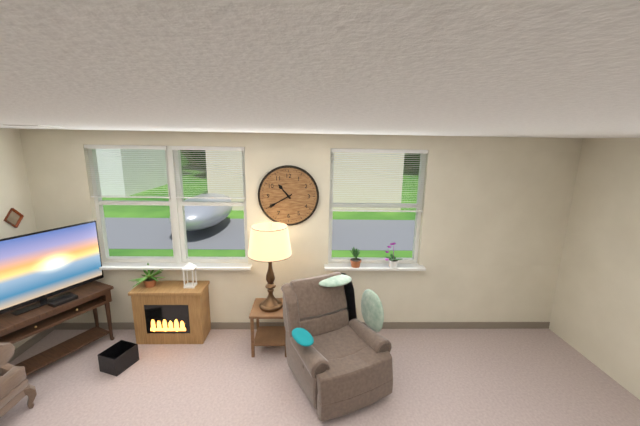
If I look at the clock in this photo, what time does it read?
10:40
